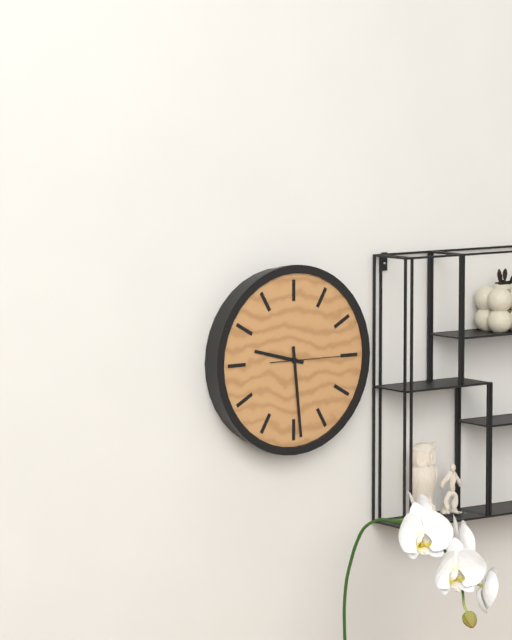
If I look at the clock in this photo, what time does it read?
9:29:15
